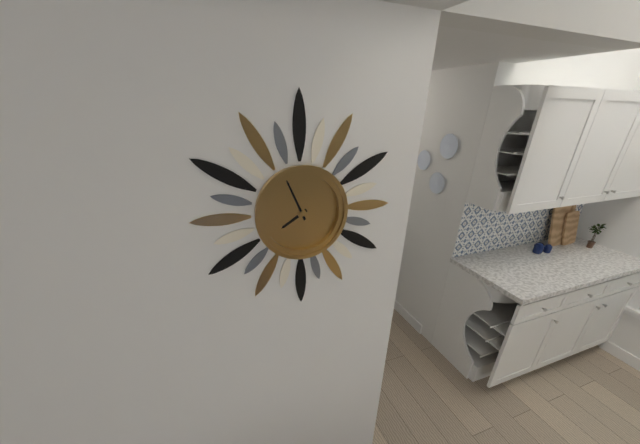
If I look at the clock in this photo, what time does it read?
7:56
